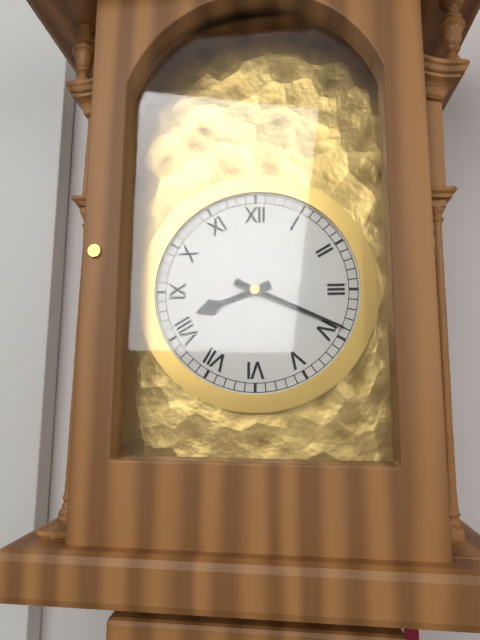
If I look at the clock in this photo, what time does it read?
8:19
